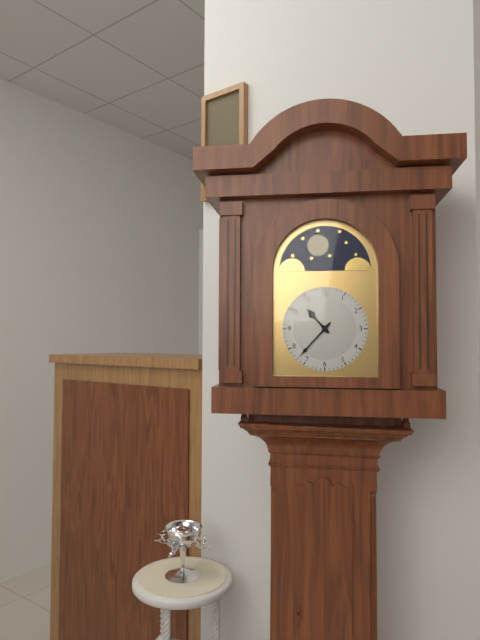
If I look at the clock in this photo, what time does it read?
10:37
